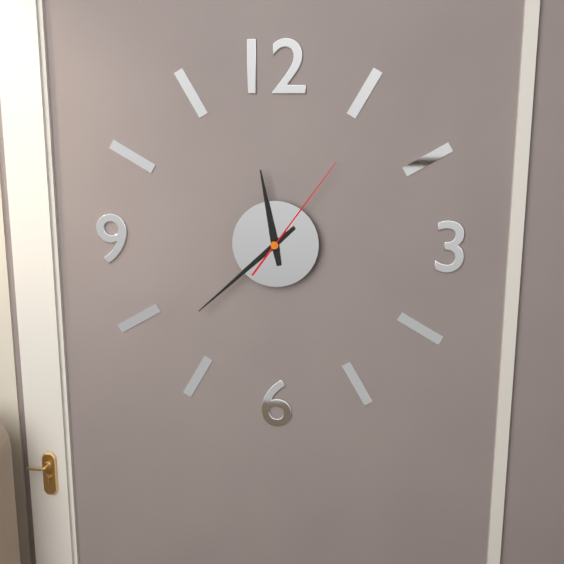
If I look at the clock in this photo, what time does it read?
11:38:06
